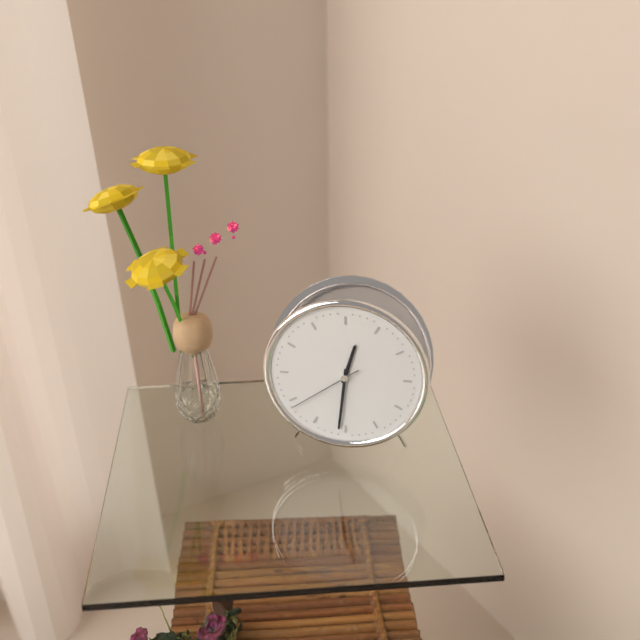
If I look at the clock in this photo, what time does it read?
12:31:39
